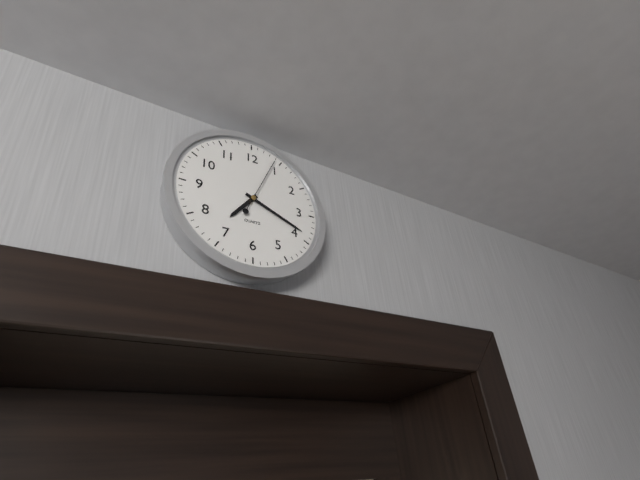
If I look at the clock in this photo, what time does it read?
7:19:04
